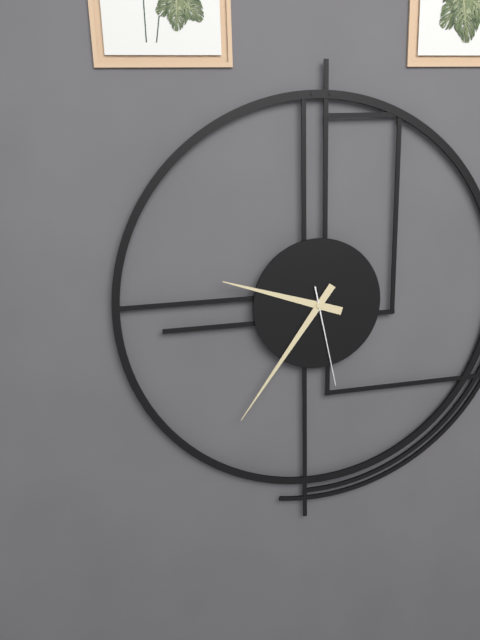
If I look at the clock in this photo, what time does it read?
9:36:28
